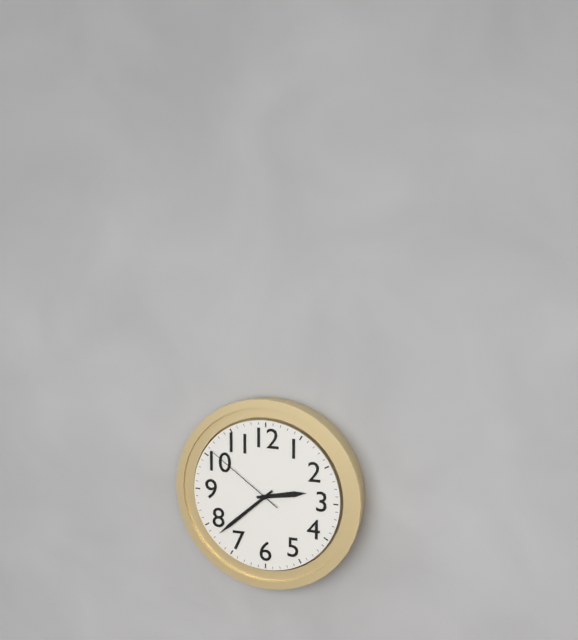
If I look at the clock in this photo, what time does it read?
2:38:51
